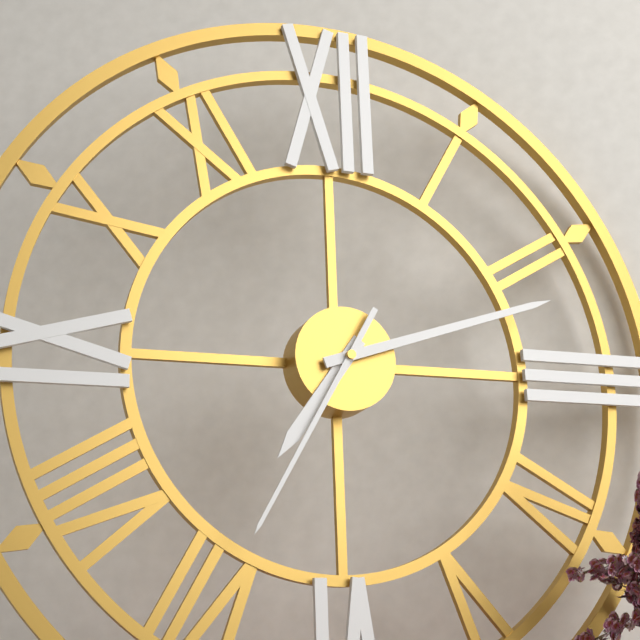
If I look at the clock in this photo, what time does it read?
7:12:35
